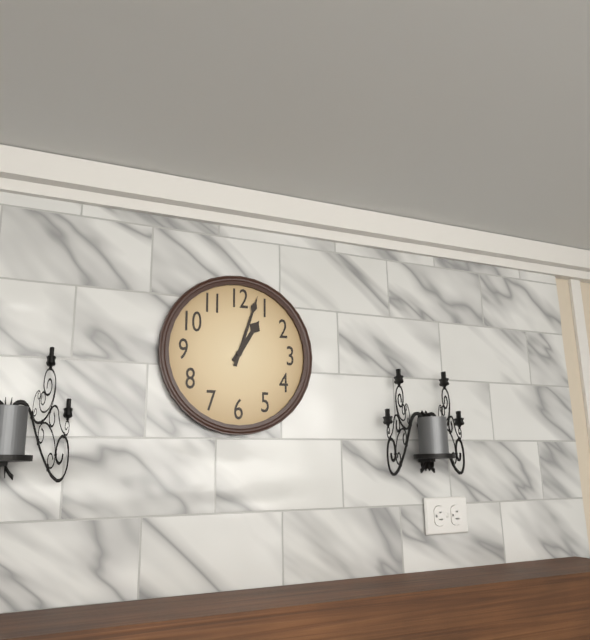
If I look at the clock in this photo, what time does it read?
1:03
